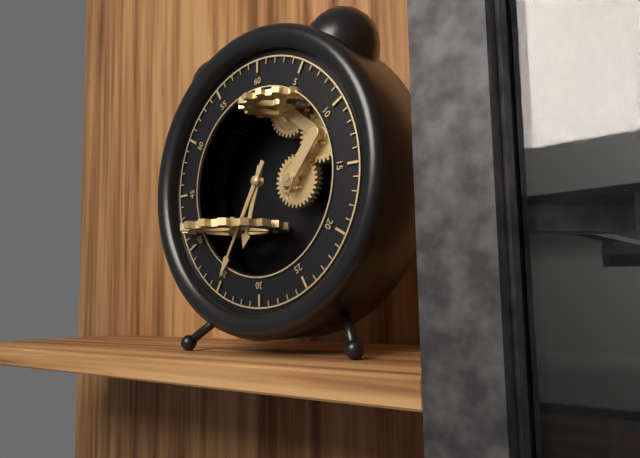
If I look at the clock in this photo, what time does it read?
6:35
